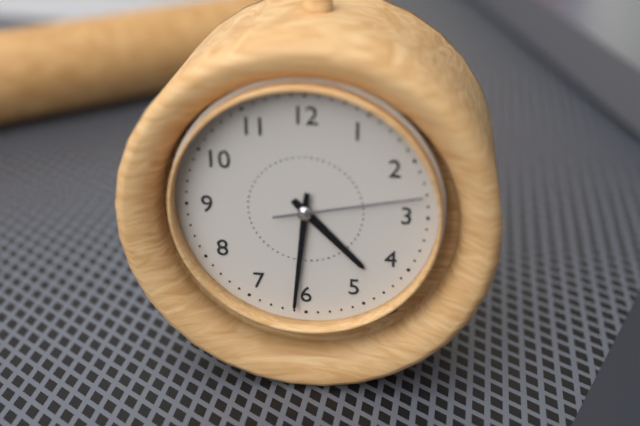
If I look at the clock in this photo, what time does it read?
4:31:13
